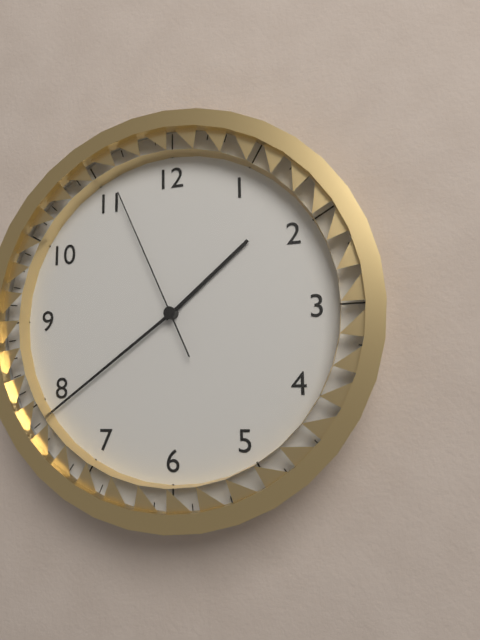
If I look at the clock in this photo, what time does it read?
1:39:56
